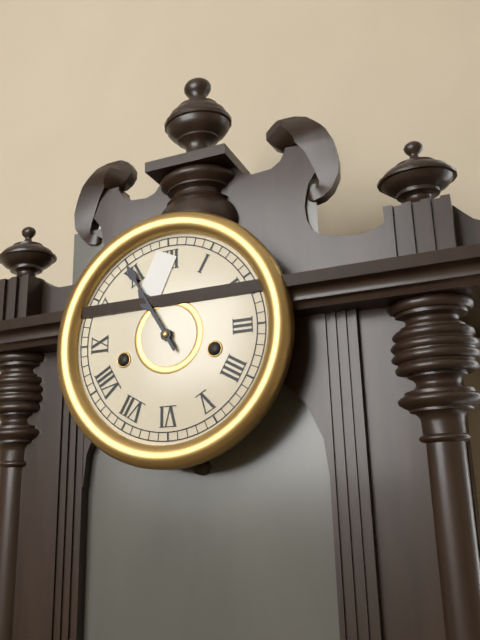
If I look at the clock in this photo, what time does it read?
10:55
